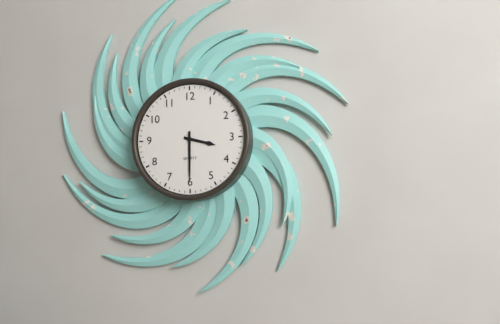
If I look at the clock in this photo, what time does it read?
3:30
